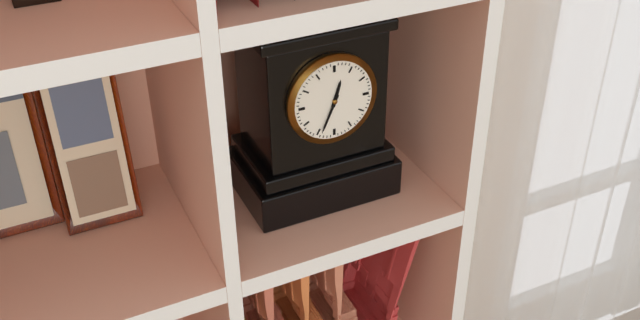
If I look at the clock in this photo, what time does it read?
12:34
